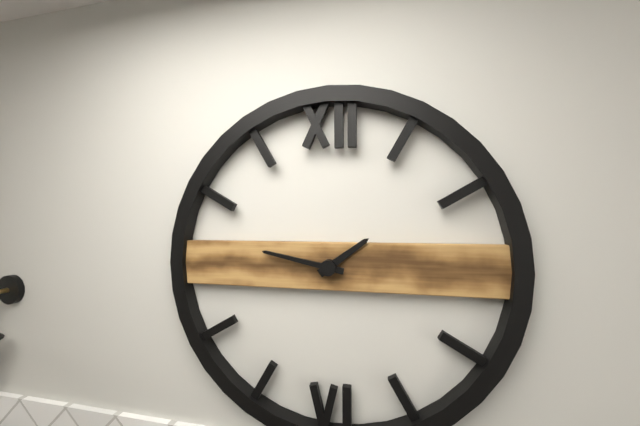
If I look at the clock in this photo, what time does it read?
1:47
